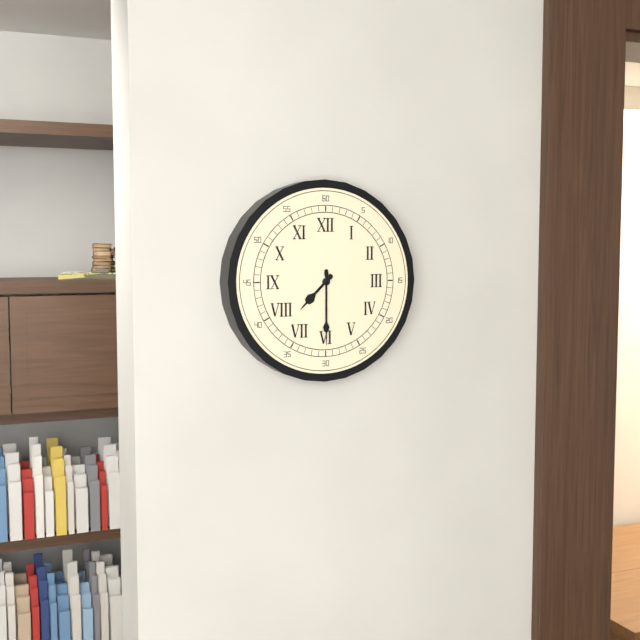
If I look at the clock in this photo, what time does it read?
7:30
